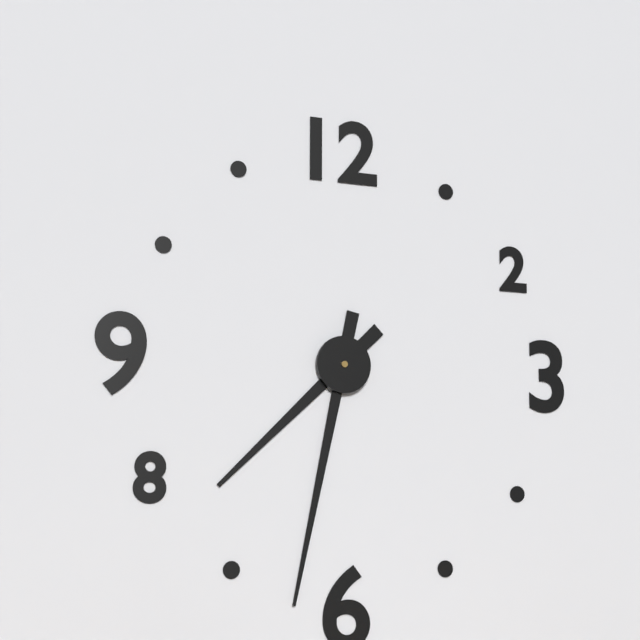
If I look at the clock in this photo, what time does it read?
7:32
